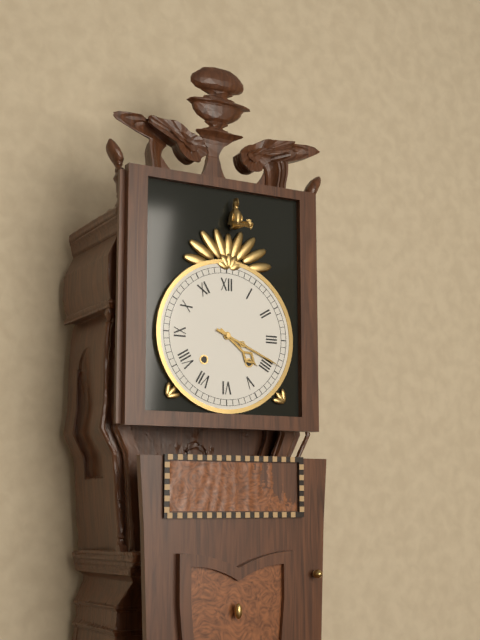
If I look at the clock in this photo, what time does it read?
4:19
